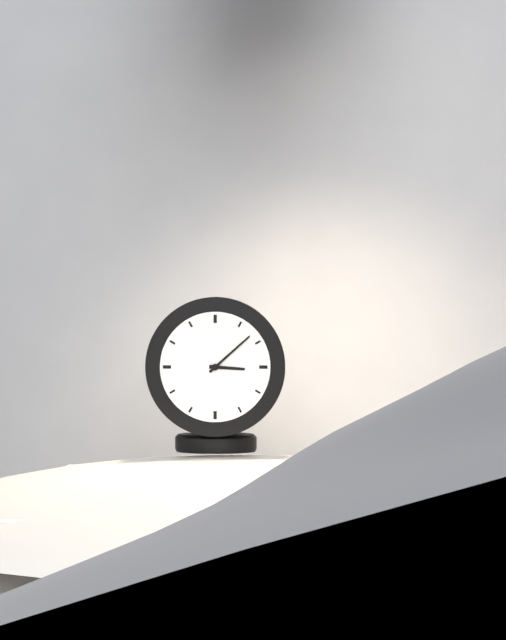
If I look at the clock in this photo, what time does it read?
3:08
